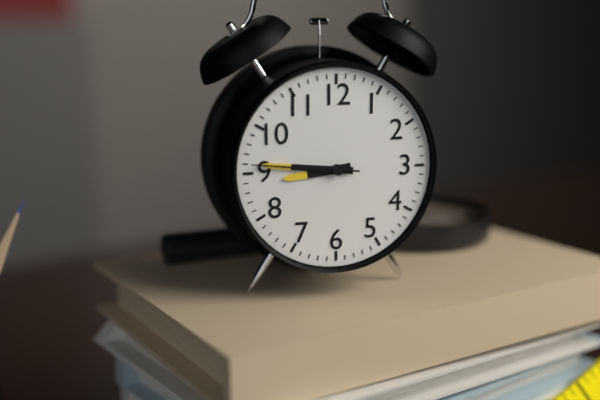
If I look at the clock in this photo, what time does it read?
8:46:46
